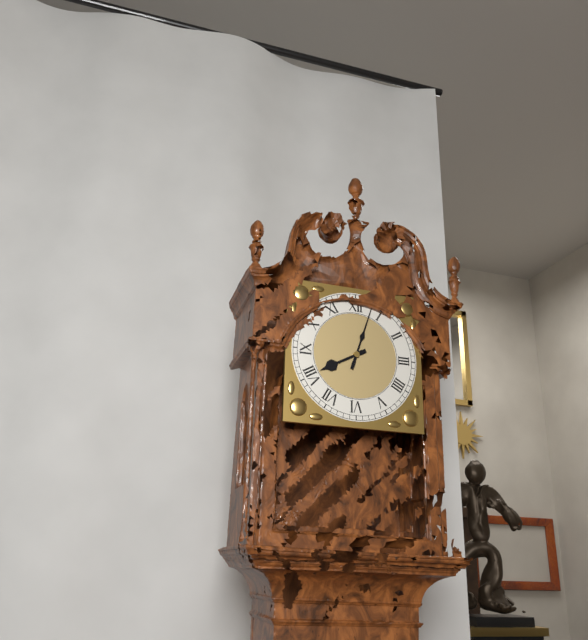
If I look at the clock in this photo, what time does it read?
8:03
